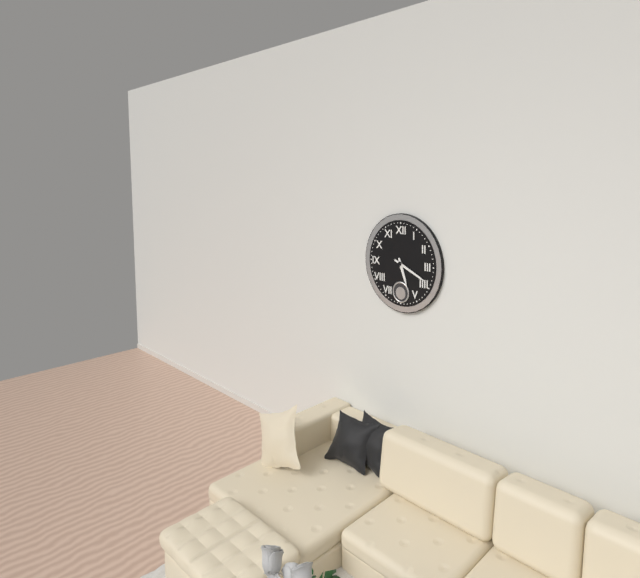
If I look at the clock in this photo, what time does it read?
5:19
